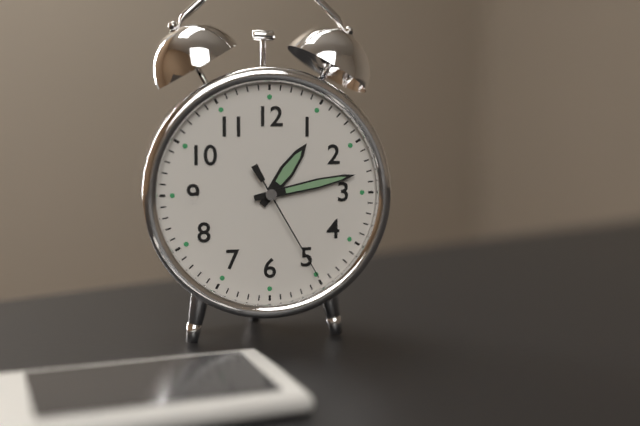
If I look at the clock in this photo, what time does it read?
1:13:25
